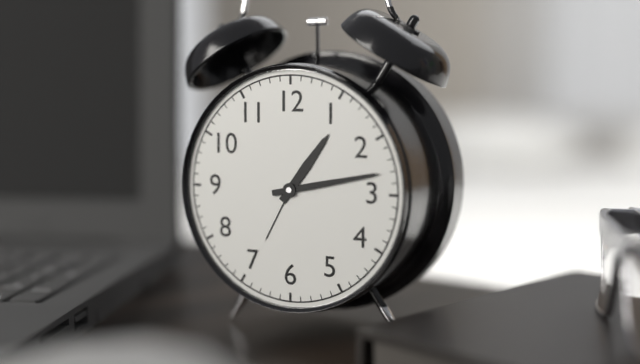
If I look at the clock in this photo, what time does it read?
1:13
